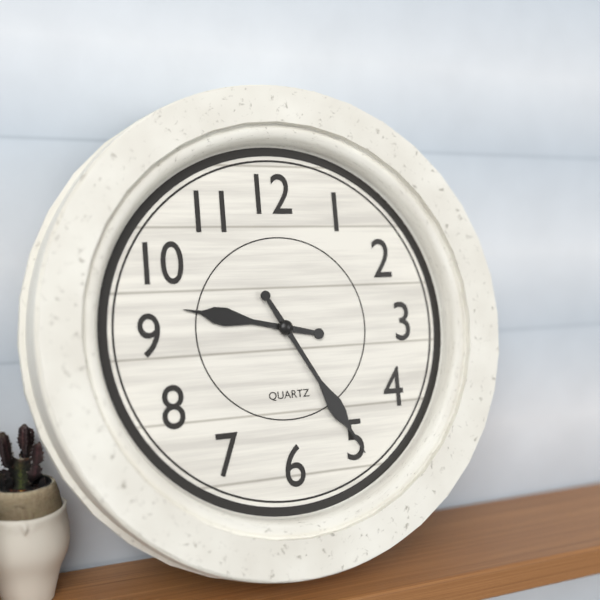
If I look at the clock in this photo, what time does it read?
9:25
